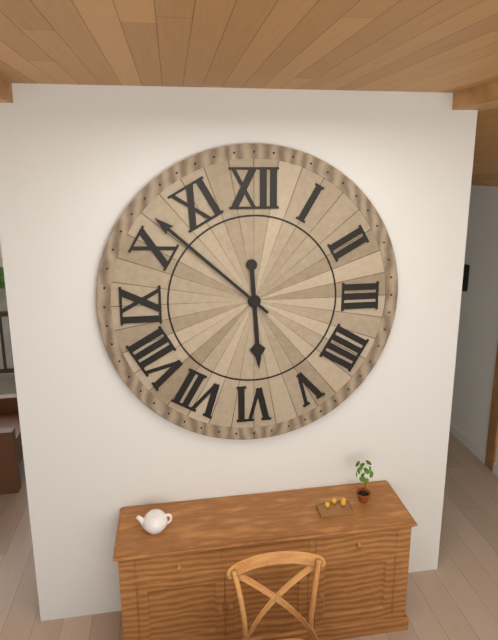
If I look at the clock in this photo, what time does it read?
5:52
